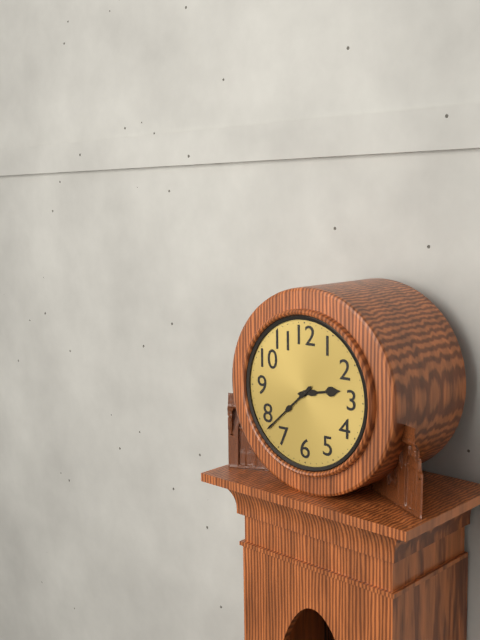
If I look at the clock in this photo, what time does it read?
2:38
